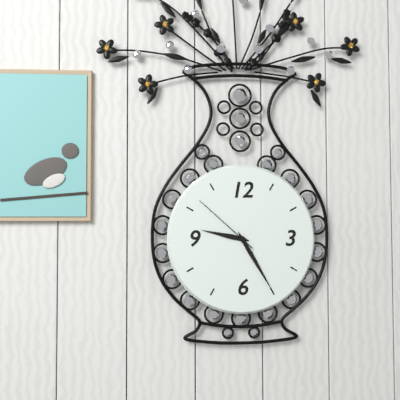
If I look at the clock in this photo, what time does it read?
9:25:52
